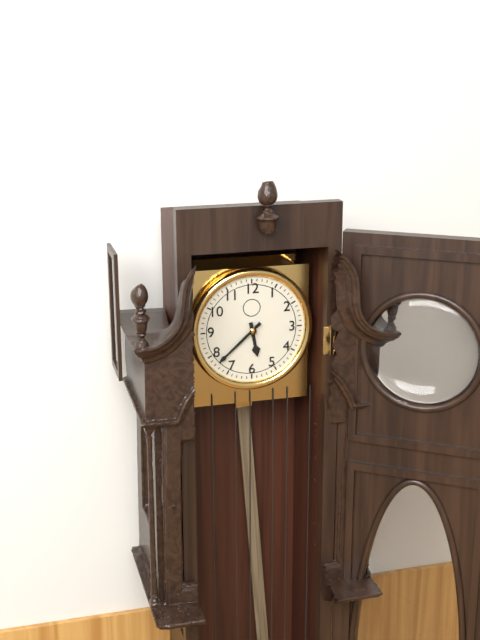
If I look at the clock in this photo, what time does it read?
5:38
